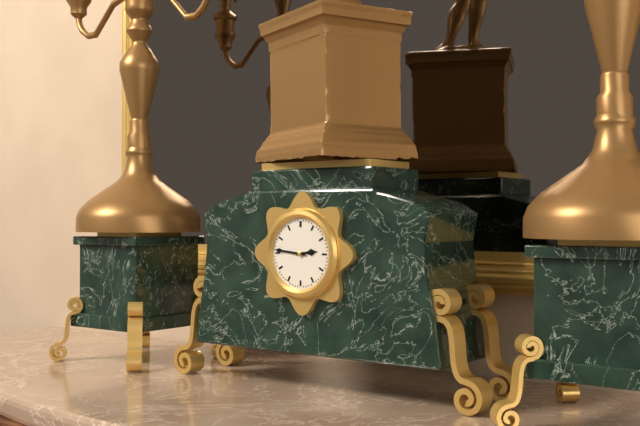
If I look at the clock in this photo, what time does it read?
2:46
